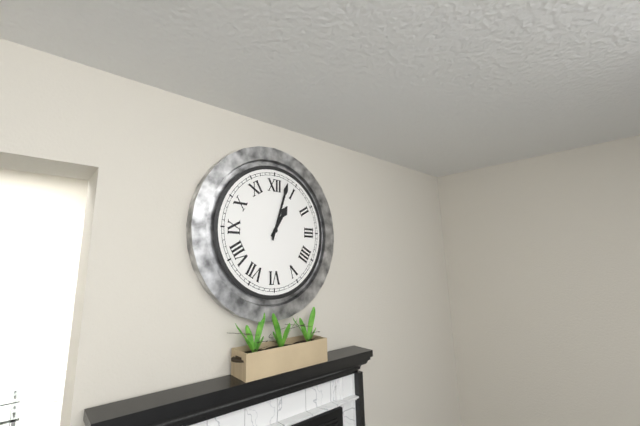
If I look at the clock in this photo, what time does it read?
1:03
